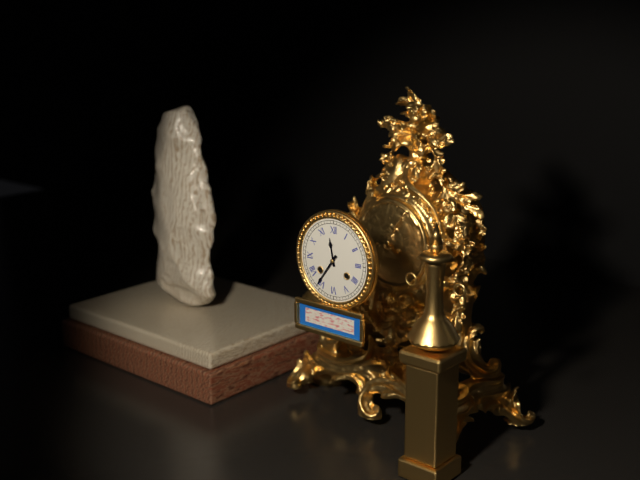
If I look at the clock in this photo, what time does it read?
11:36
